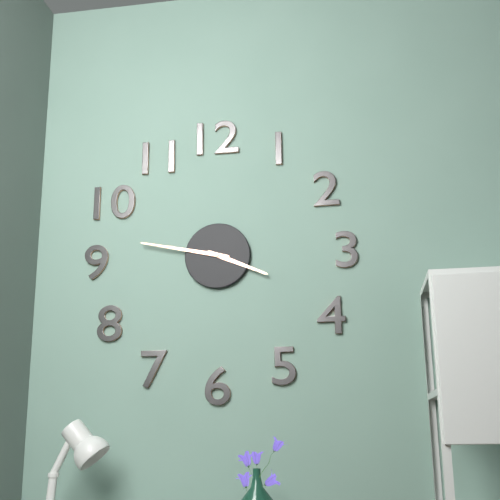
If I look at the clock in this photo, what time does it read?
3:47
